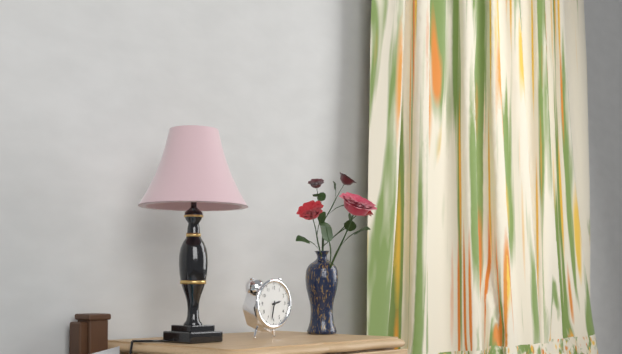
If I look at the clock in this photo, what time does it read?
2:32
